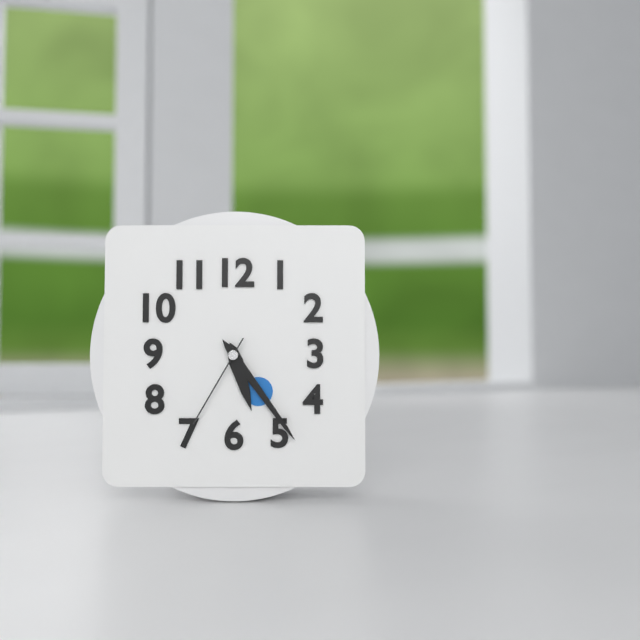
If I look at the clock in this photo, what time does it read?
5:24:35
